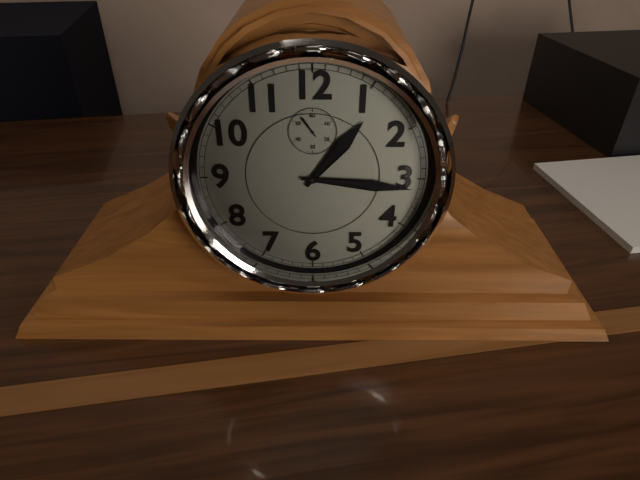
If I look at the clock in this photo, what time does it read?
1:16
